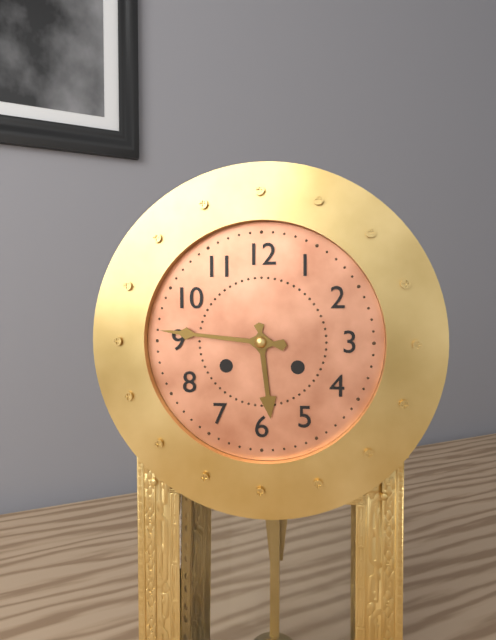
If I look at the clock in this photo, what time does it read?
5:46
